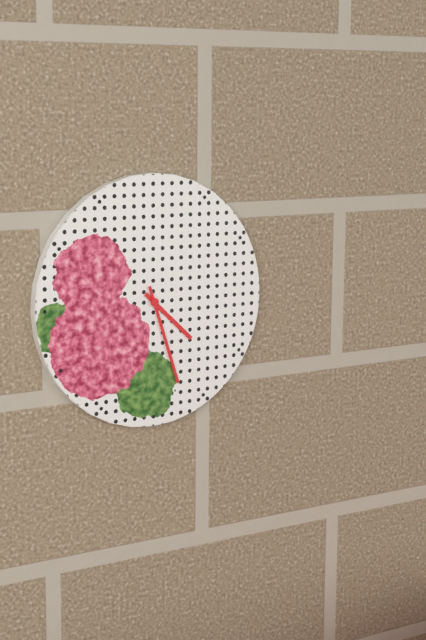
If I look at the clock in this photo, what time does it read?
4:27
